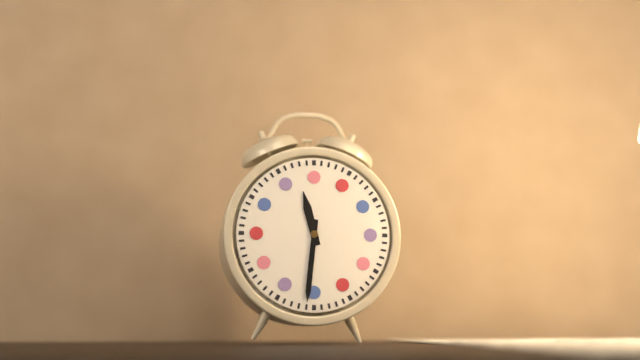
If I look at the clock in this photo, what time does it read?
11:31
